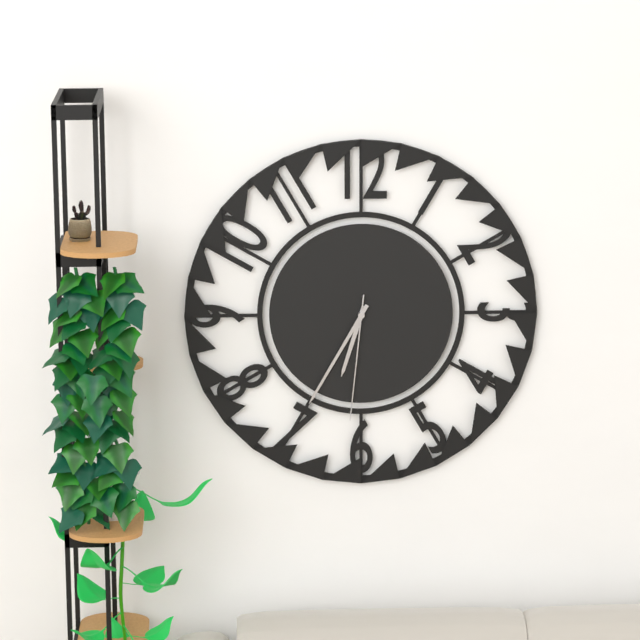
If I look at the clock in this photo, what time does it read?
6:35:31
